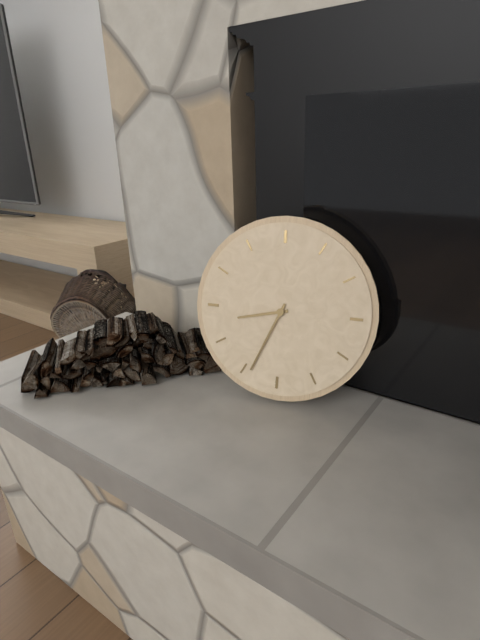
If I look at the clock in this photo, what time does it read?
8:34
